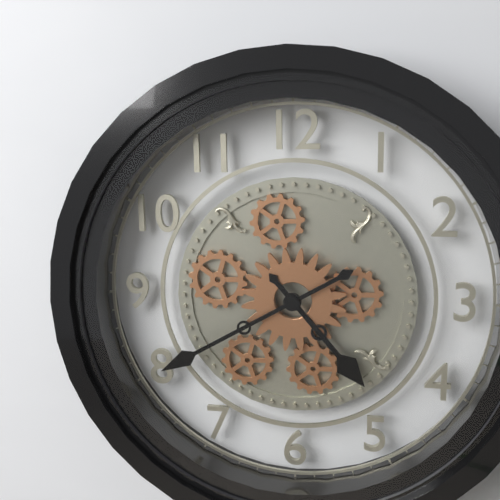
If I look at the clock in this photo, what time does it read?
4:40
